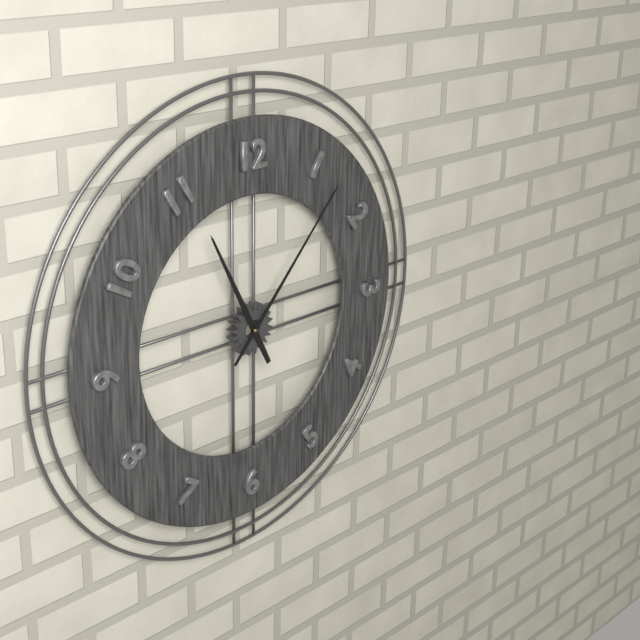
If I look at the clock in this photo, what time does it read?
11:07
